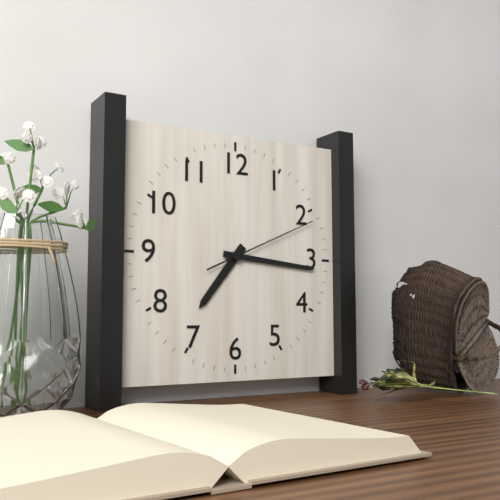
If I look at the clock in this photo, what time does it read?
7:16:11
